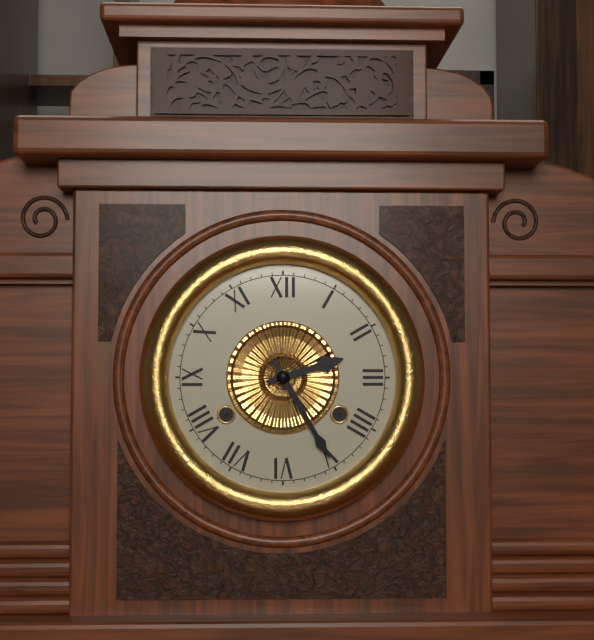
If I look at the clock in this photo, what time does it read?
2:25
